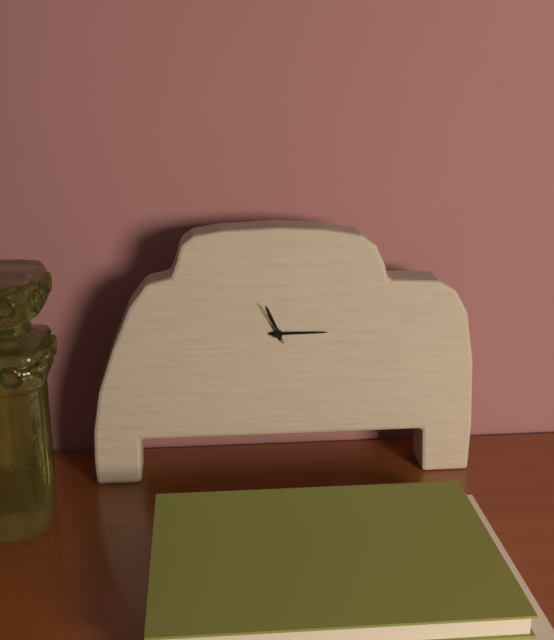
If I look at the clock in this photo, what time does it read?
11:15
